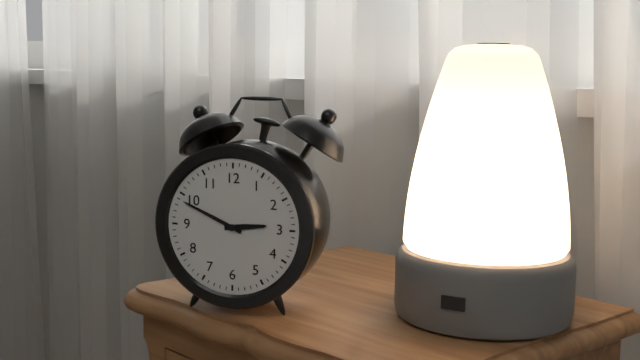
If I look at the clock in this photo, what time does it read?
2:49
